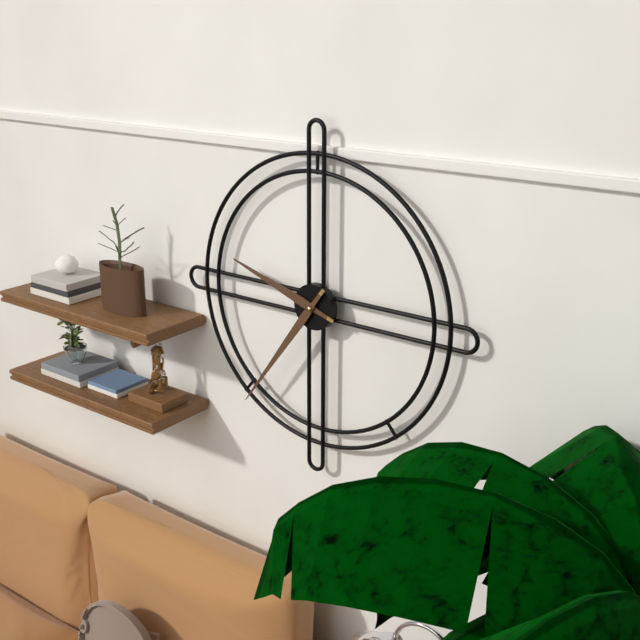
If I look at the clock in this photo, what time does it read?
9:36
